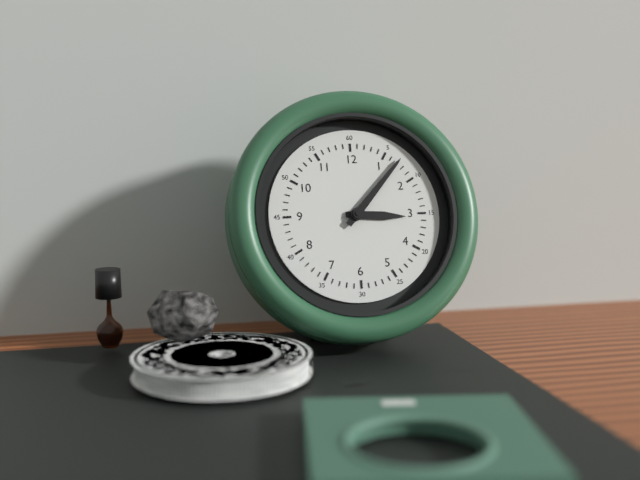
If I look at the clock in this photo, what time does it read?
3:07
